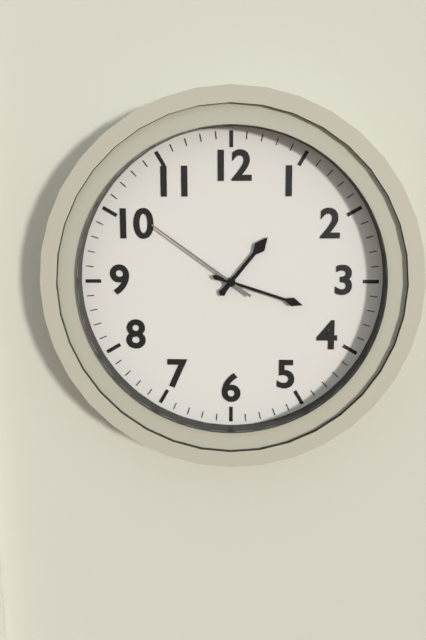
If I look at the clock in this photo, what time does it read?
1:18:51
